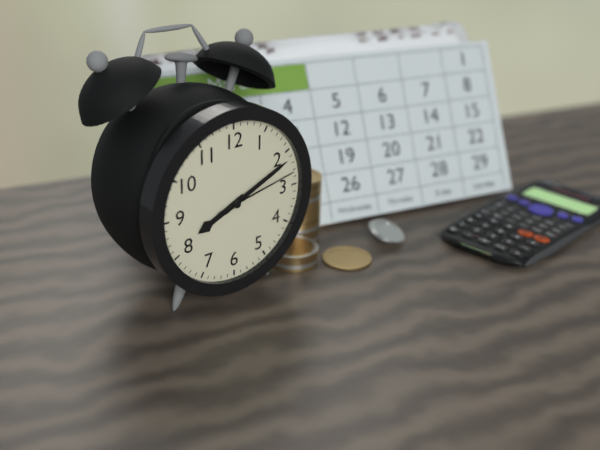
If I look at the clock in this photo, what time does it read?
8:11:13
